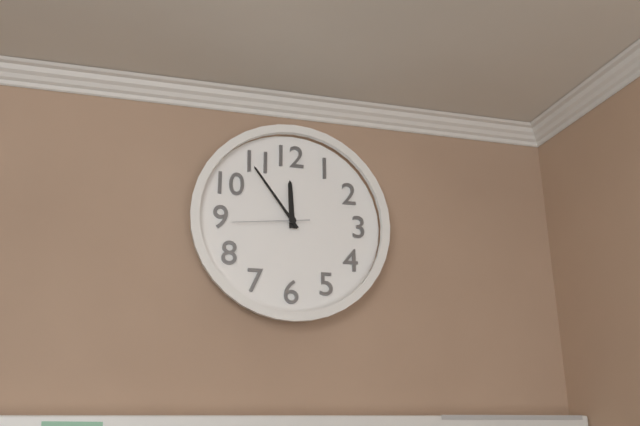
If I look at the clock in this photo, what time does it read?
11:54:44
